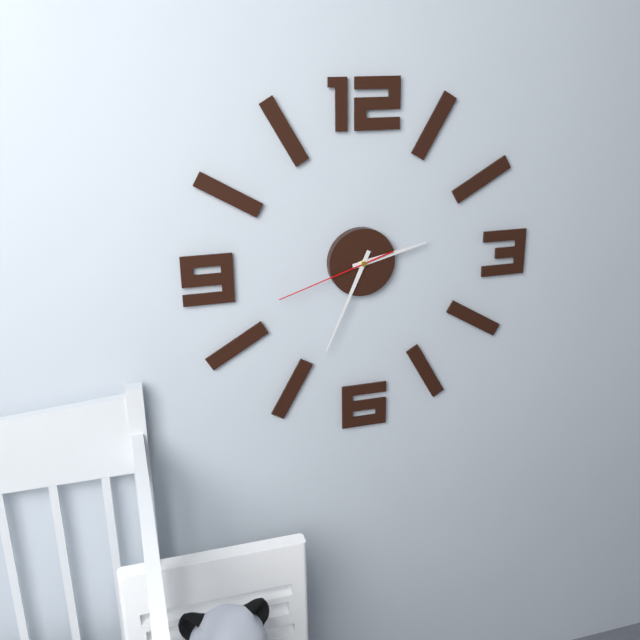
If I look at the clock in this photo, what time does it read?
2:34:42
